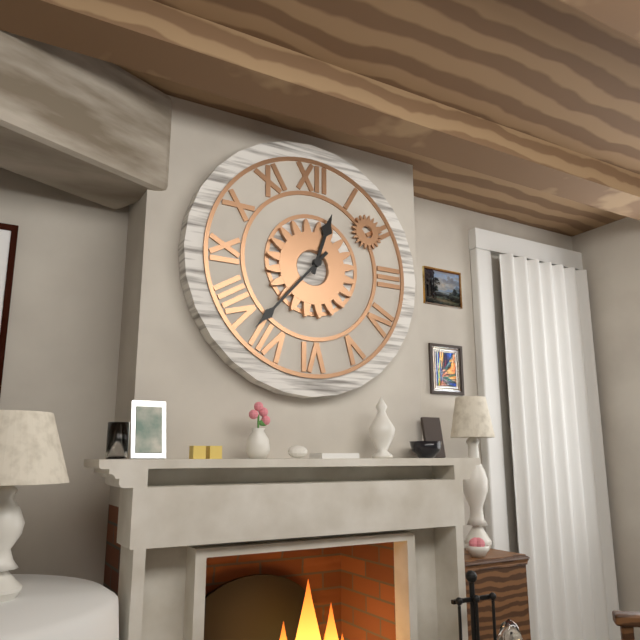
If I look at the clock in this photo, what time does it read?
12:37
